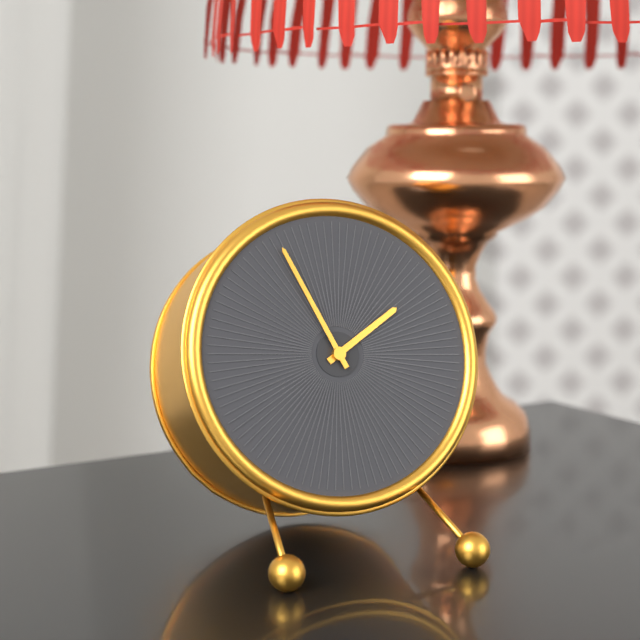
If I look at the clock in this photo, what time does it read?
1:56
